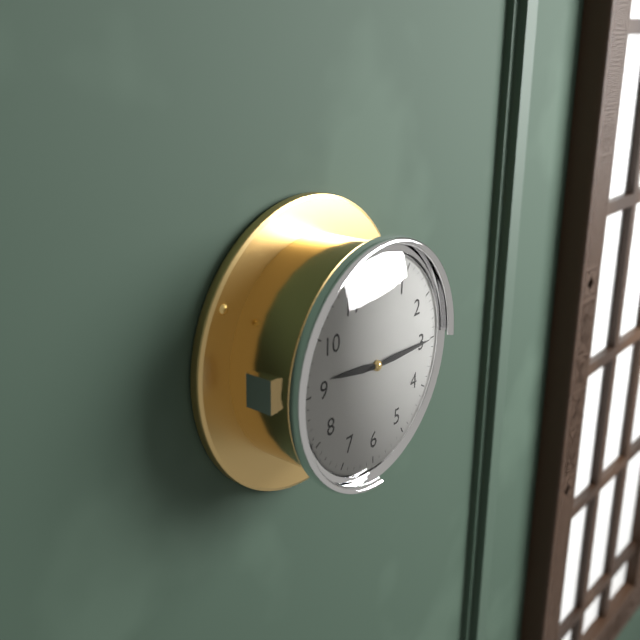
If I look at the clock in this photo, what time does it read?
9:15
